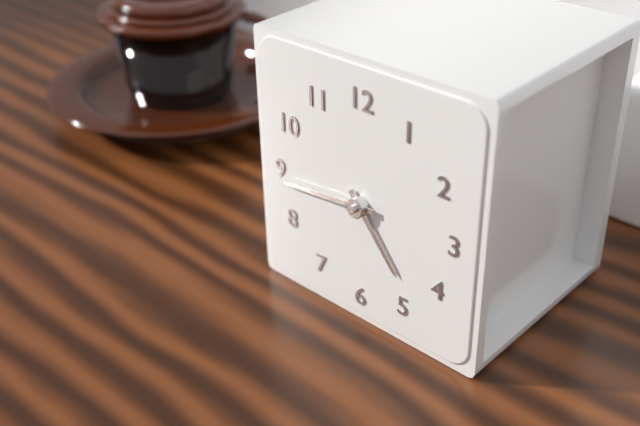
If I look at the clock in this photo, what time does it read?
4:44
